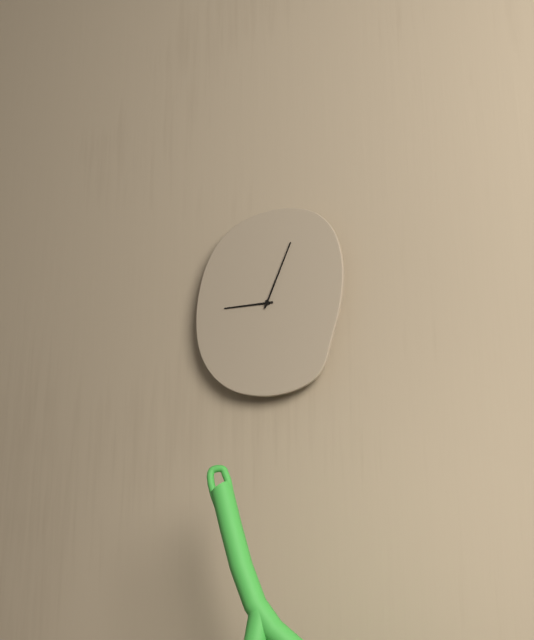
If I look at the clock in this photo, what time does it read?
9:04
